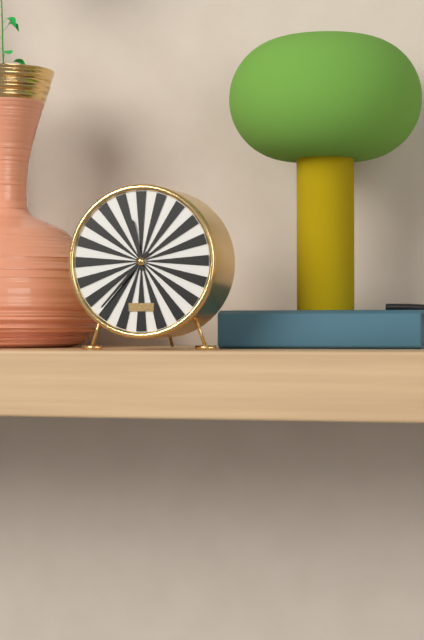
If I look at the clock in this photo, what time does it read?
11:37
